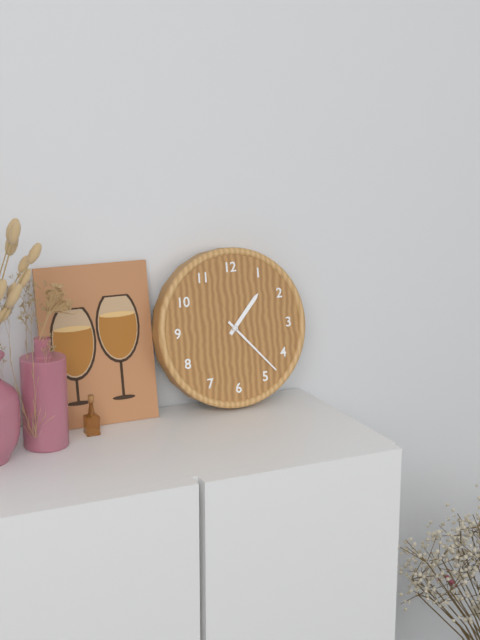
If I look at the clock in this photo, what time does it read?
1:23
